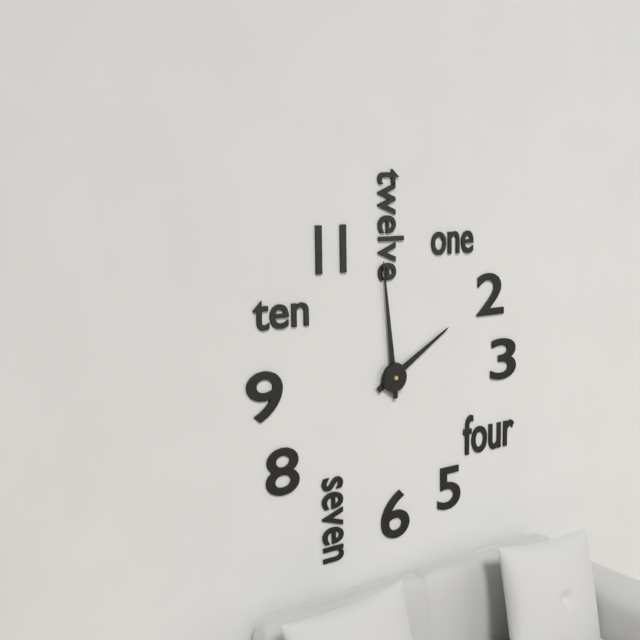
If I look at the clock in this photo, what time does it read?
1:59
